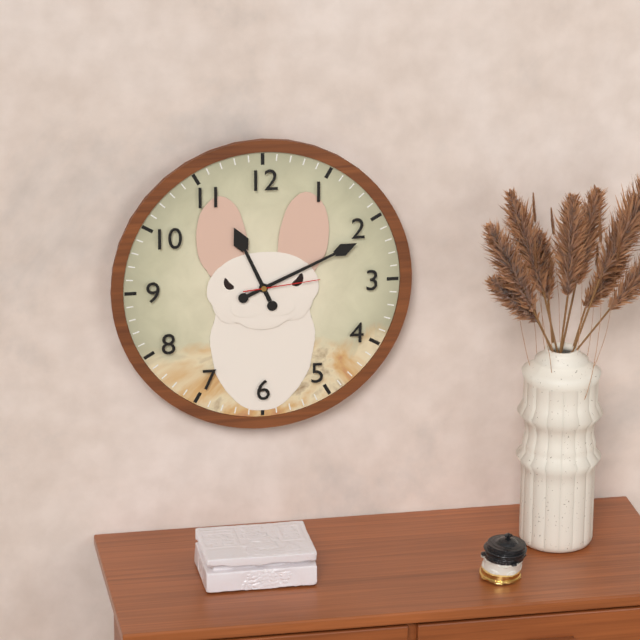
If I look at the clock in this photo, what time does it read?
11:11:14
